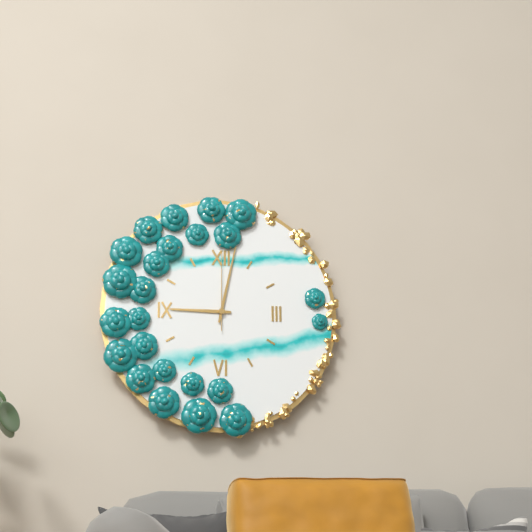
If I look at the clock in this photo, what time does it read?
9:02:00
